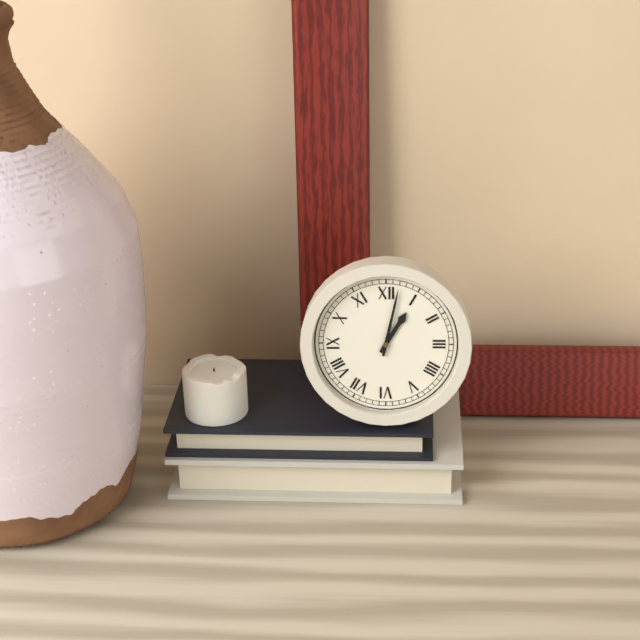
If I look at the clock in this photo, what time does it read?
1:02
